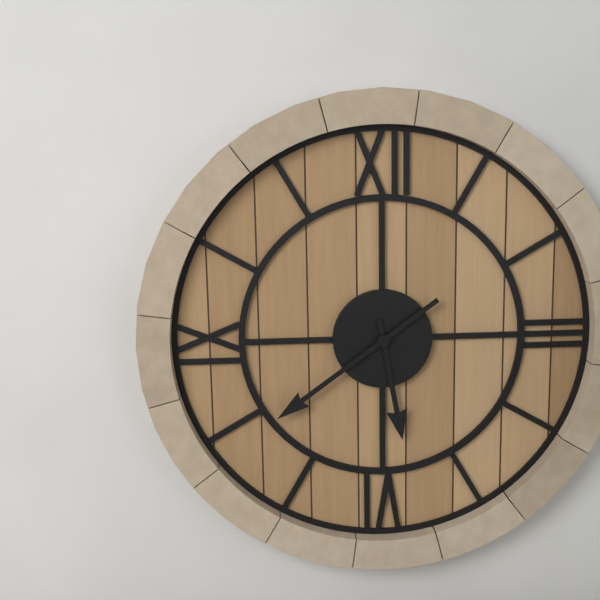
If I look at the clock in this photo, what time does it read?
5:39
